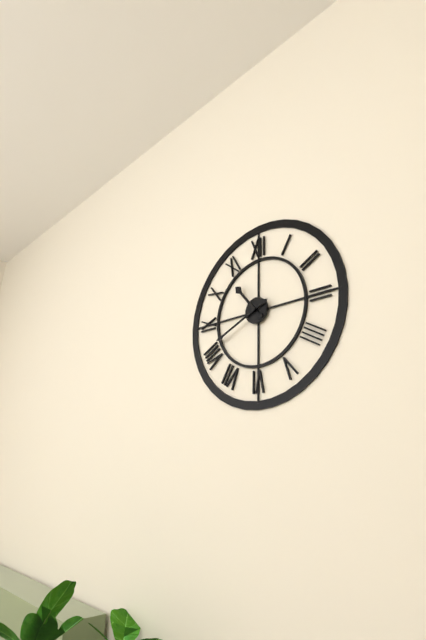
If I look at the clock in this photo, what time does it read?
10:41
